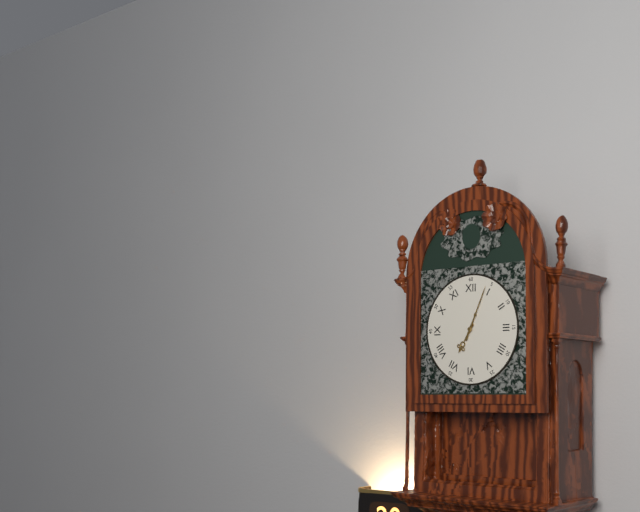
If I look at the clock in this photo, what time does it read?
7:04
